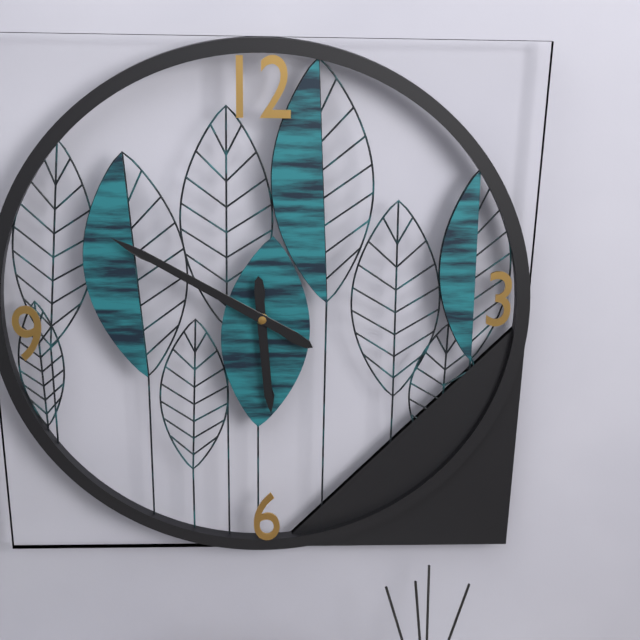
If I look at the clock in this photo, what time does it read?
5:50
